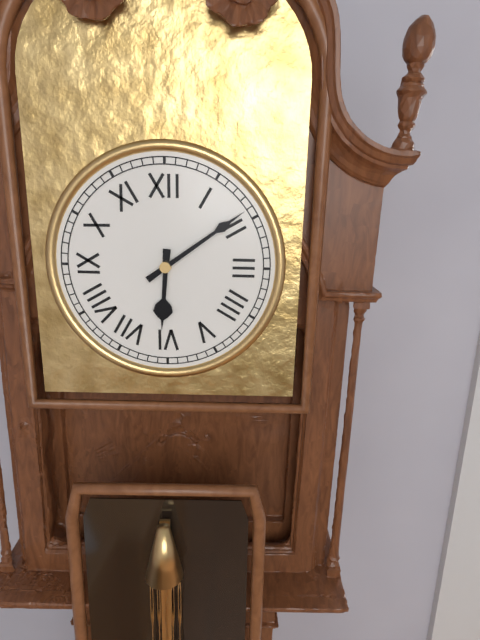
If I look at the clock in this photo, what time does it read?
6:09
